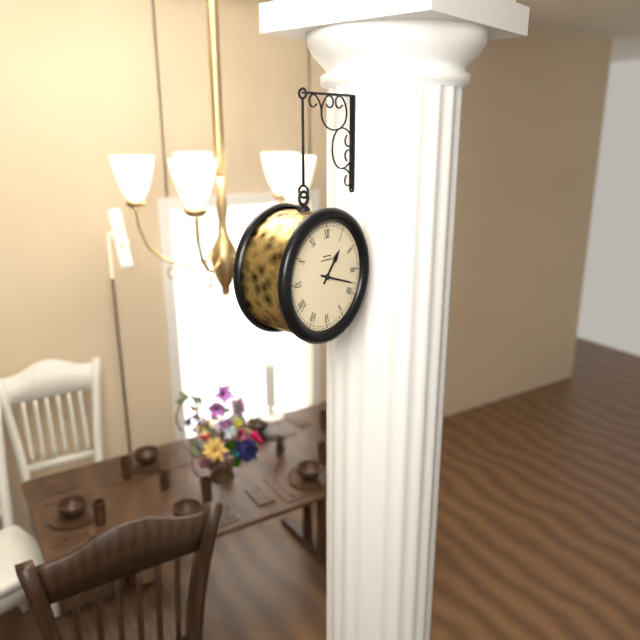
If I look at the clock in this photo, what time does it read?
1:18
